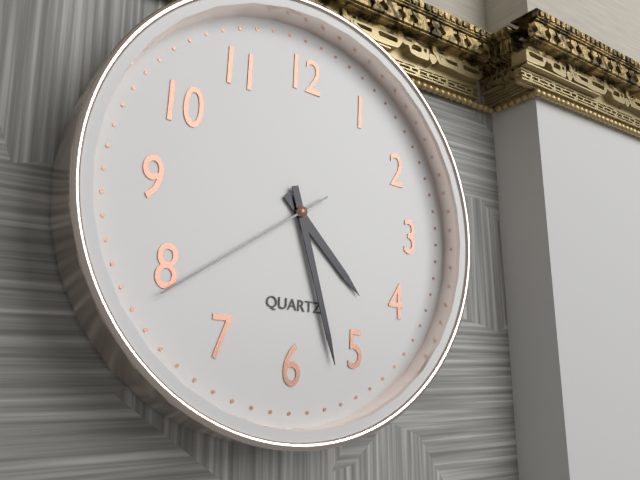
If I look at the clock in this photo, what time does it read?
4:27:39
